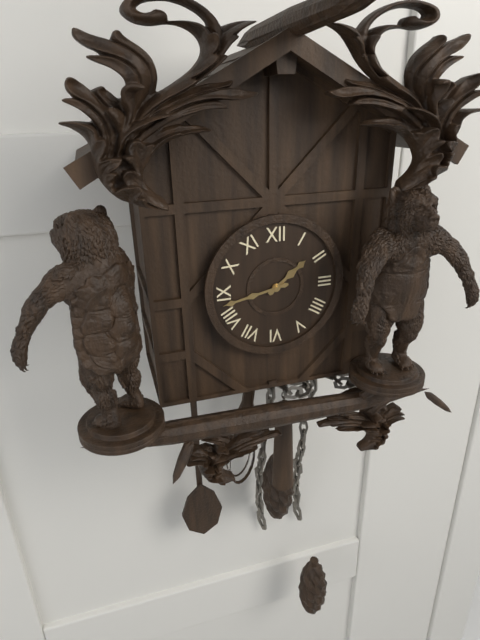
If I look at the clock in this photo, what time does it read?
1:43
